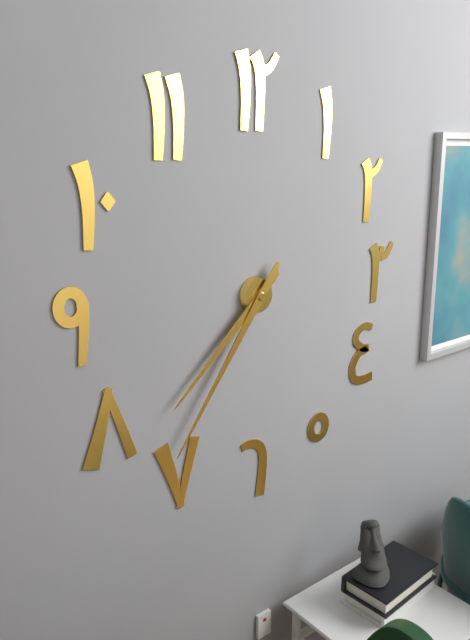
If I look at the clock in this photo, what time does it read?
7:36
